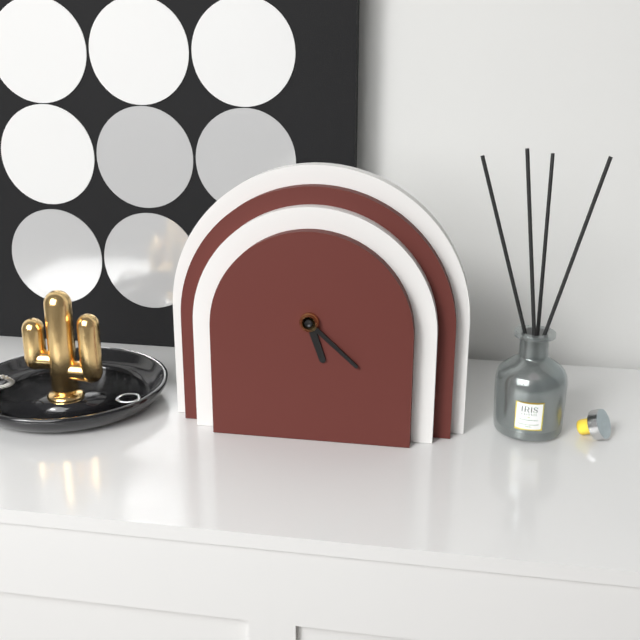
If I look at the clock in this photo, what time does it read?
5:22
